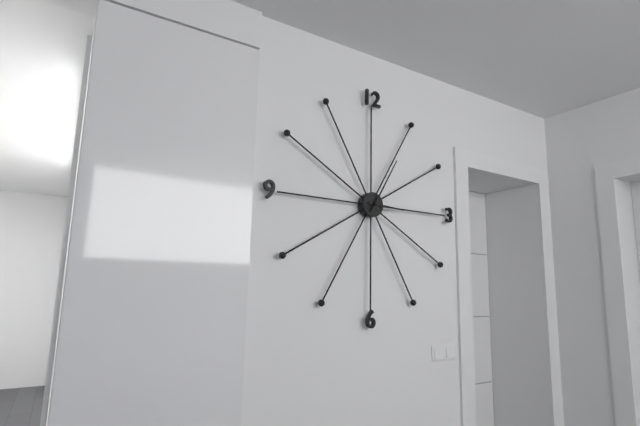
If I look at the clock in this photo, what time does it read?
3:05
